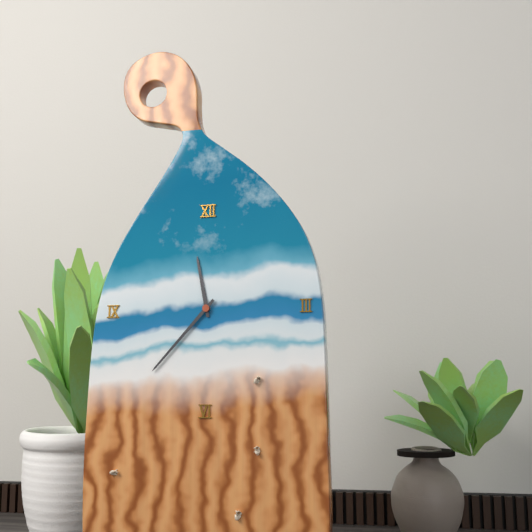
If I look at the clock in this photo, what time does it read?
11:37
